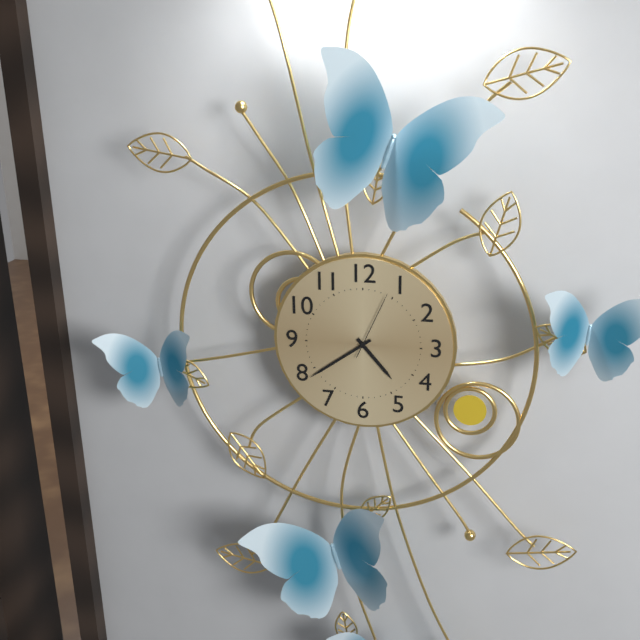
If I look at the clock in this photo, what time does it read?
4:39:04
